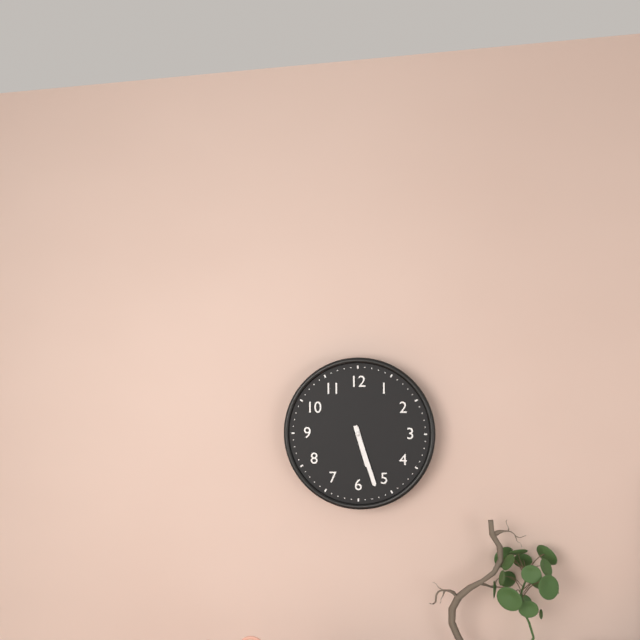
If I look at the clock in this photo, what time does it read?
5:27
